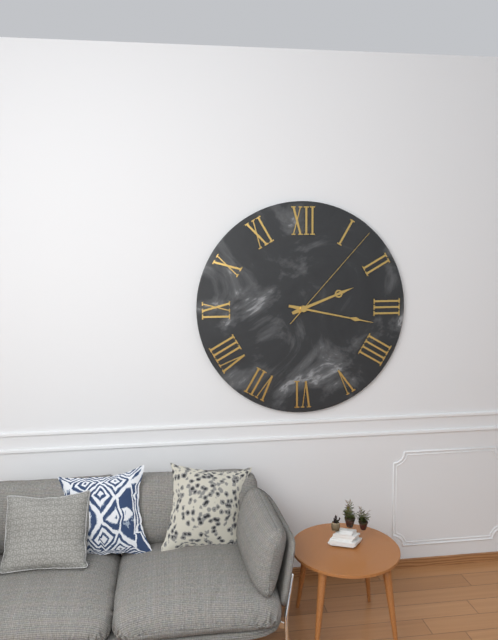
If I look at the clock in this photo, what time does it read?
2:17:07
